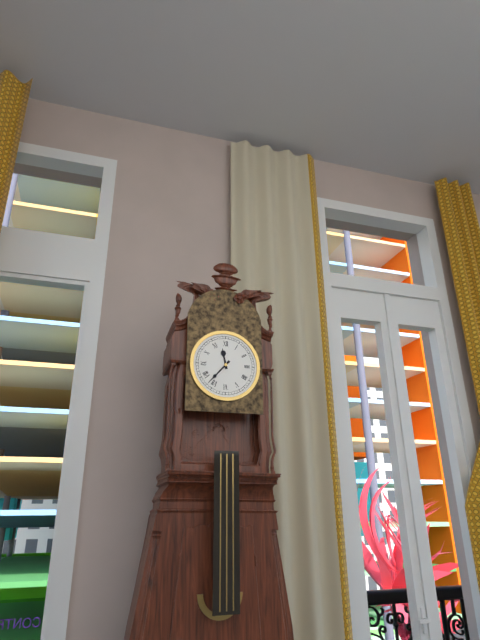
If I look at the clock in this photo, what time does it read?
11:37
